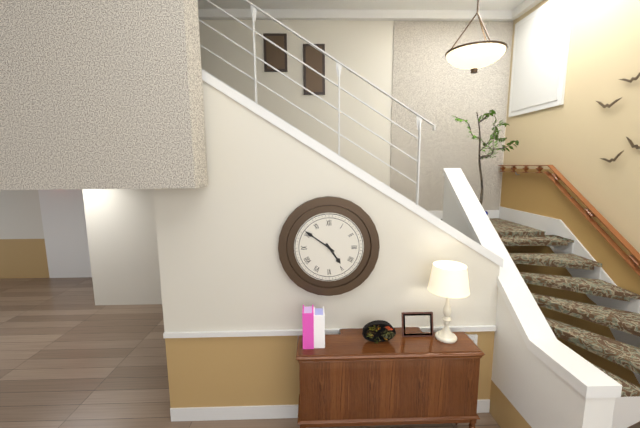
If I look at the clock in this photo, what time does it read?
4:51
